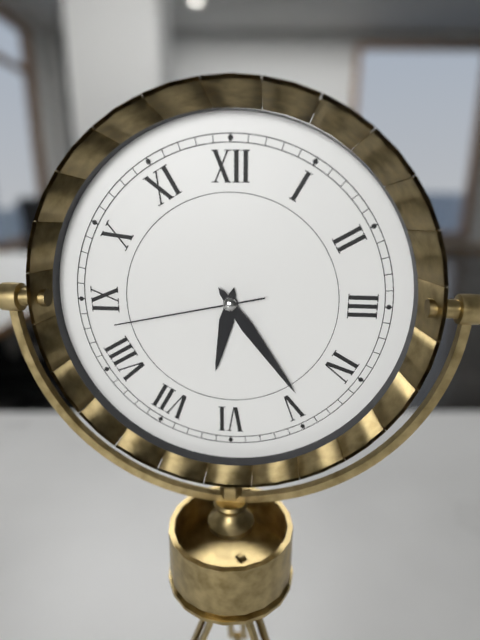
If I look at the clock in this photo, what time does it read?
6:24:43
